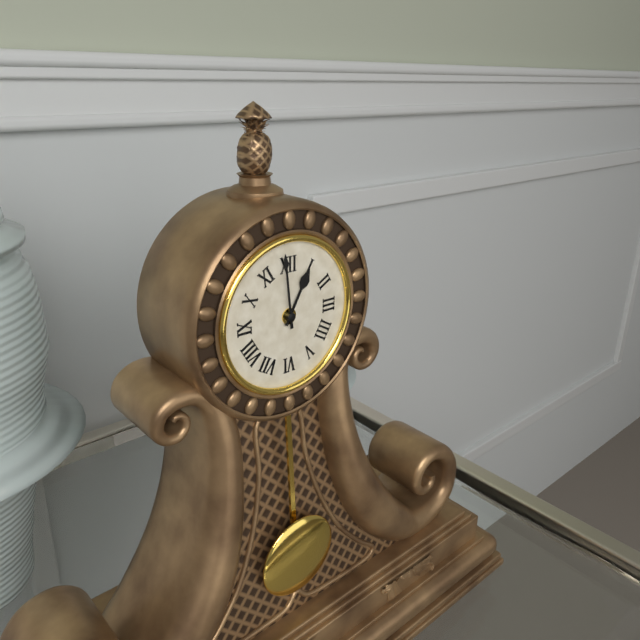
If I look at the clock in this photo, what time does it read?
12:59
